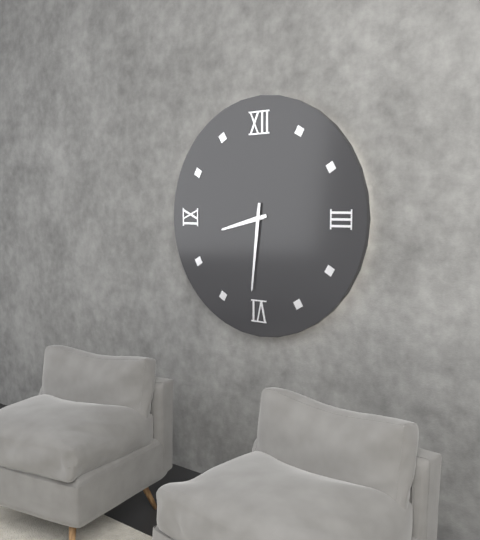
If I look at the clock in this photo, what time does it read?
8:31
